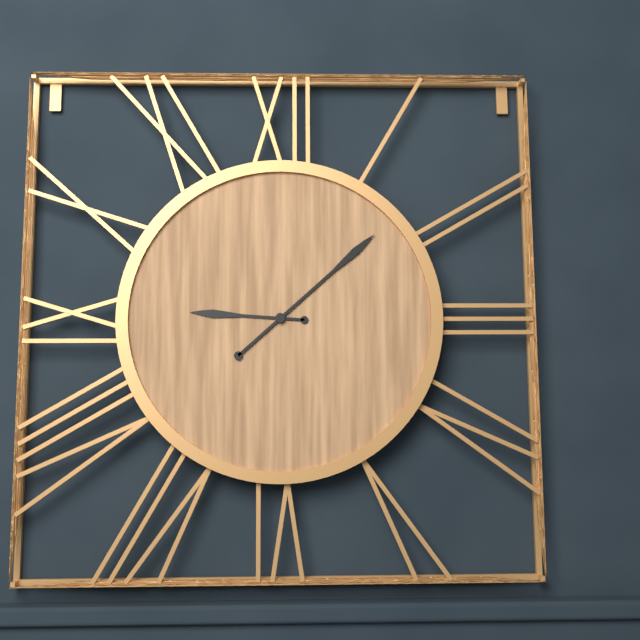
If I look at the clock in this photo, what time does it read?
9:08
